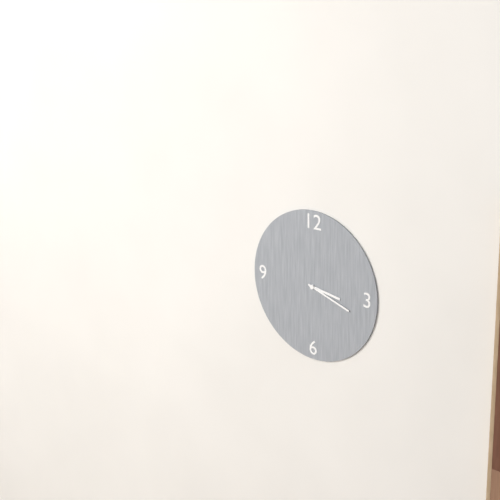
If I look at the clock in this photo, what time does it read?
3:18
